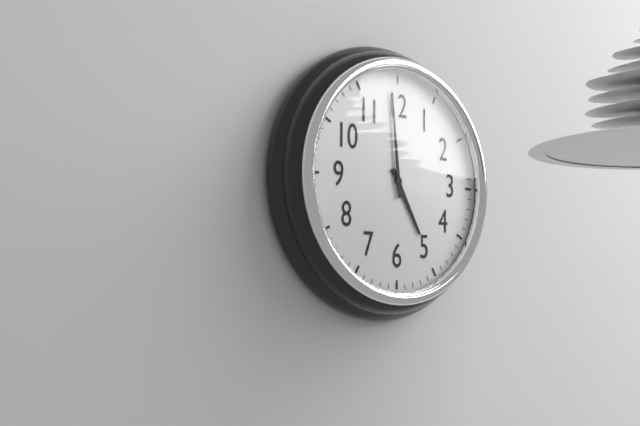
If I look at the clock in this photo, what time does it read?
4:59
